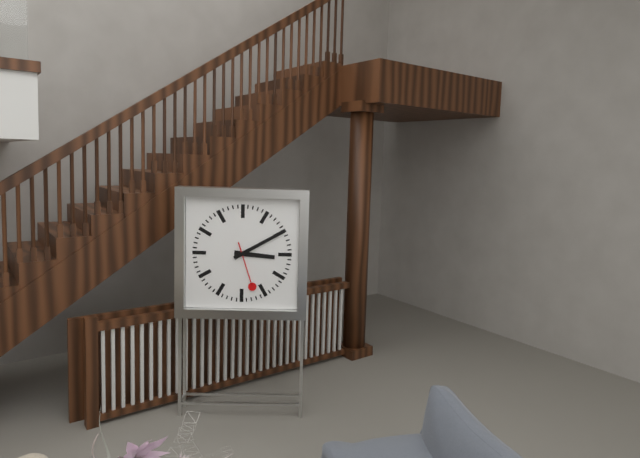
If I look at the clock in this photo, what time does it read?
3:10
